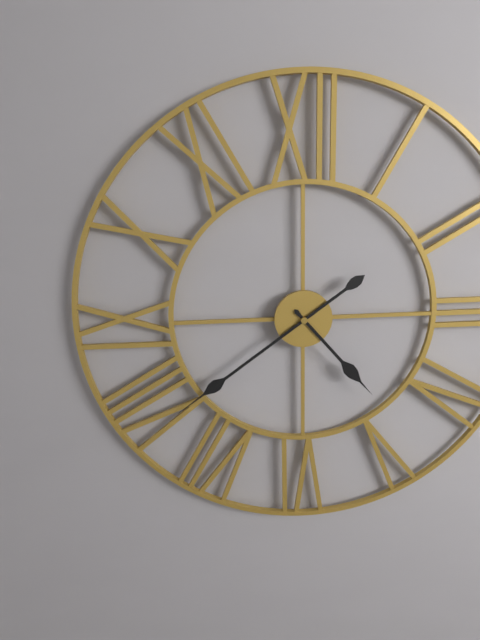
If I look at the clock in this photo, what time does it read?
4:39
